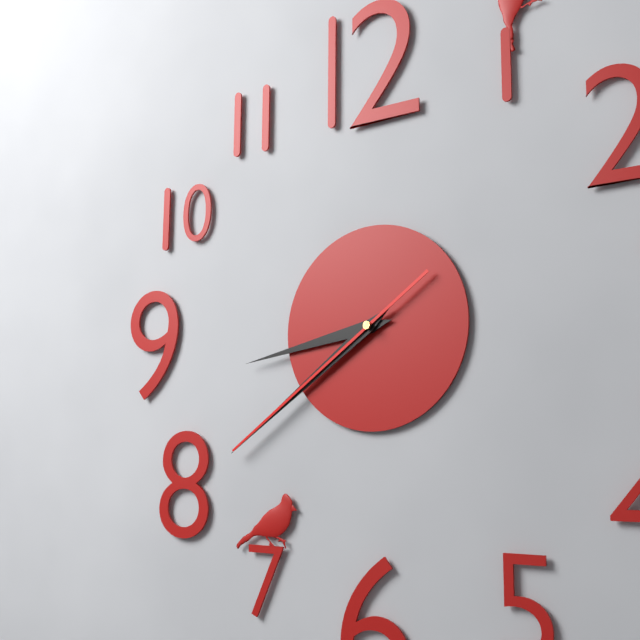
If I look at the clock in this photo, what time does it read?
8:39:39
